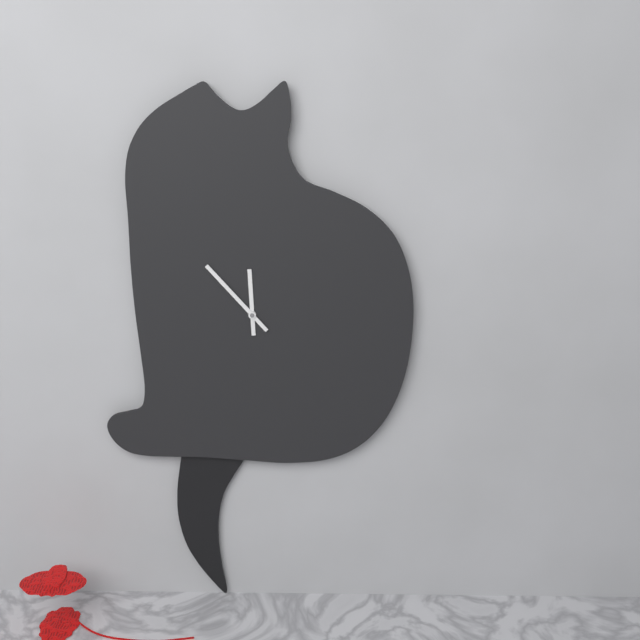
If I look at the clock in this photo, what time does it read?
11:53
